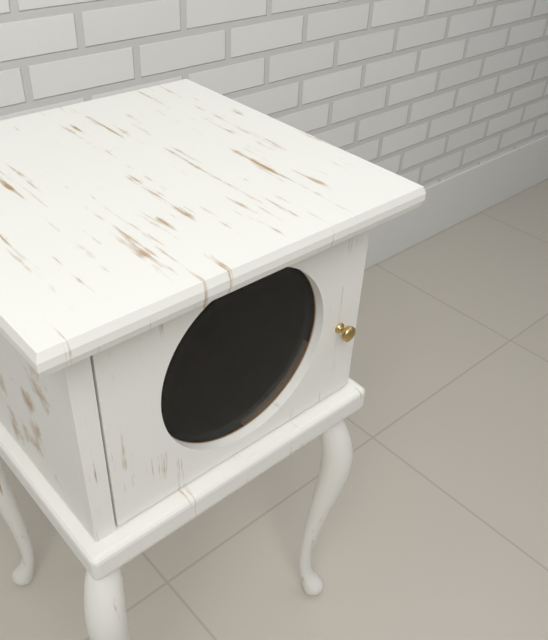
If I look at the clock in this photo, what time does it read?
12:57:21
